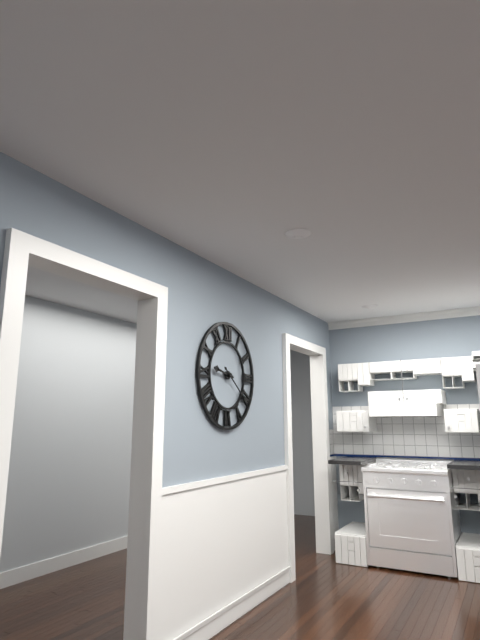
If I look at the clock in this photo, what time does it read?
9:21
